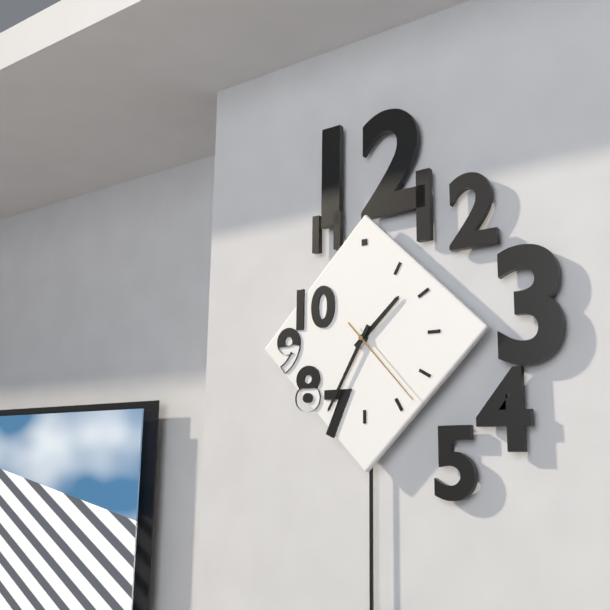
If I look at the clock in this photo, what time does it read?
1:35:23
